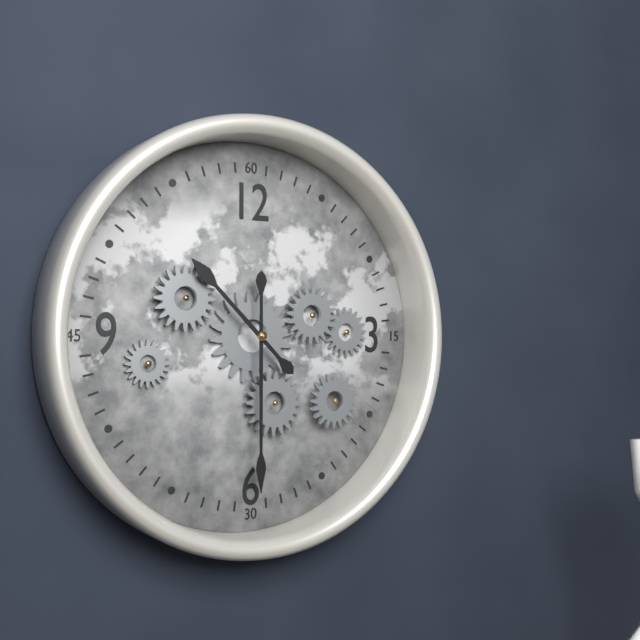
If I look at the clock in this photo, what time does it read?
10:30
